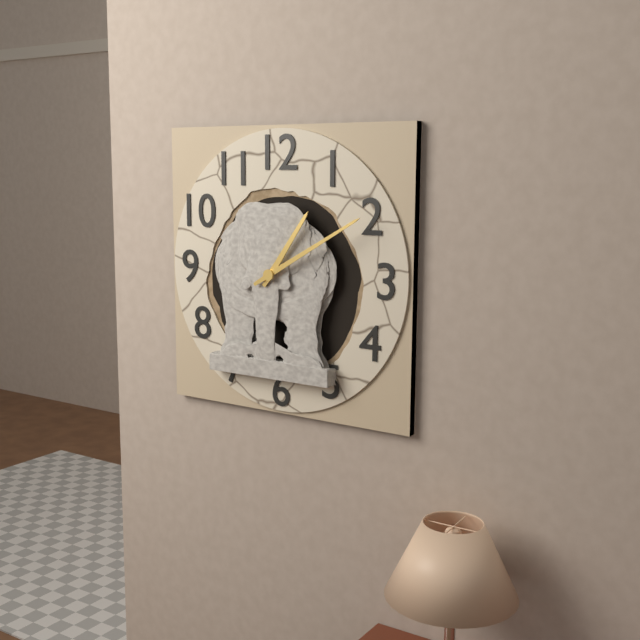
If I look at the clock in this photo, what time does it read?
1:10
